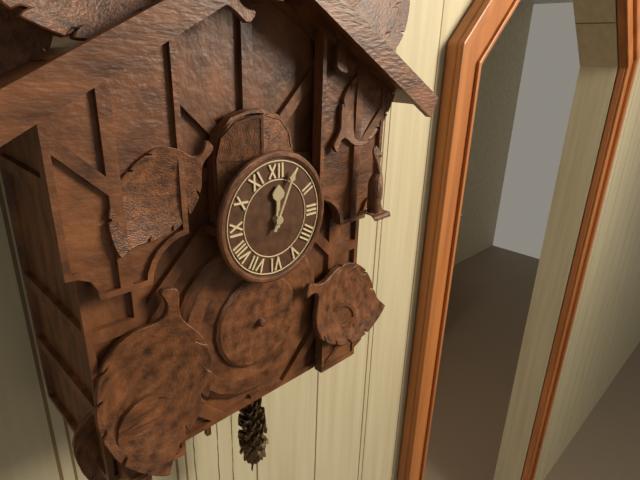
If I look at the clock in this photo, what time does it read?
12:04
